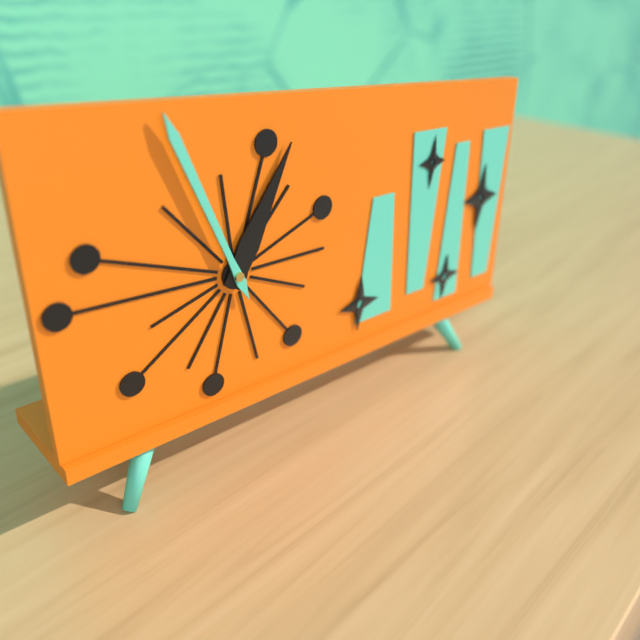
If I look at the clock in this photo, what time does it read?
12:56
